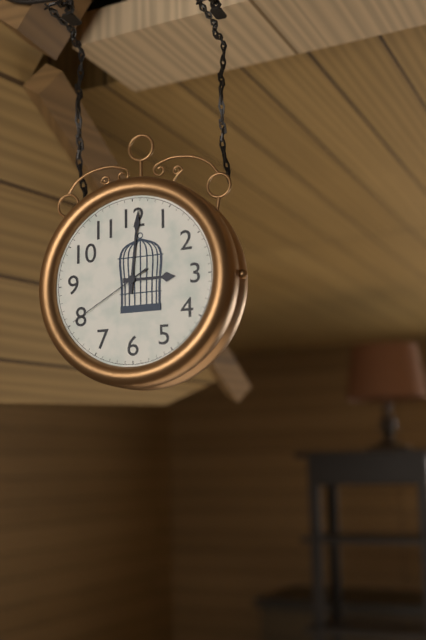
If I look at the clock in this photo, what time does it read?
3:01:40
